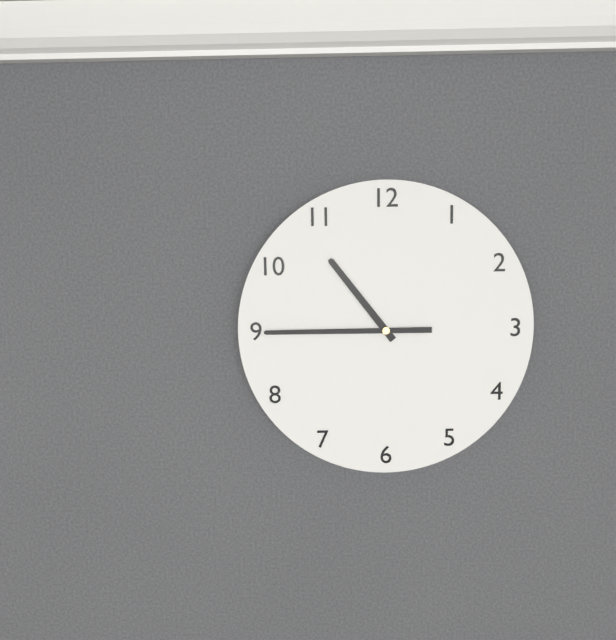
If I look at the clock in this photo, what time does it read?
10:45
